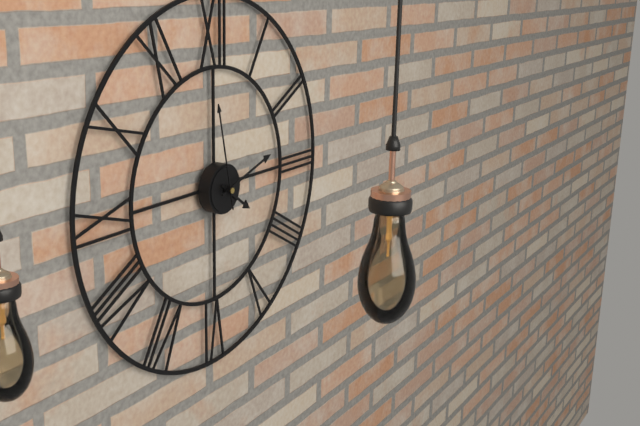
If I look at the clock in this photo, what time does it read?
4:12:58
